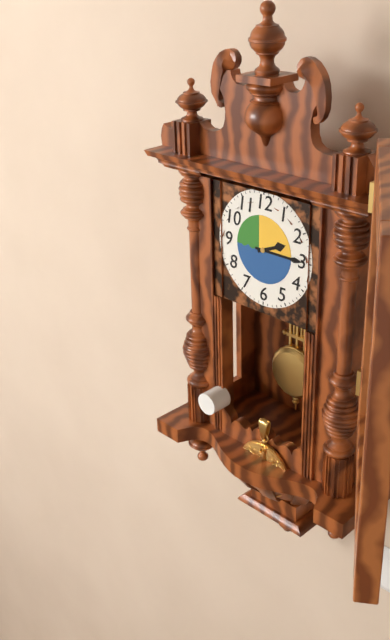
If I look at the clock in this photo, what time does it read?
2:15
